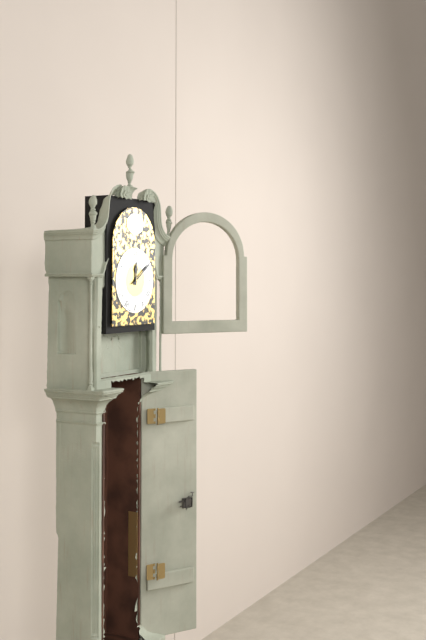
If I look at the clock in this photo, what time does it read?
12:09
